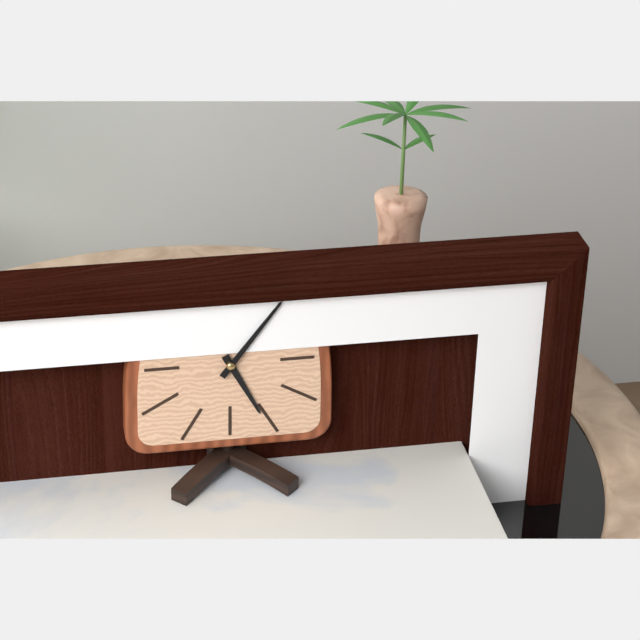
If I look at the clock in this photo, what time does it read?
5:06
